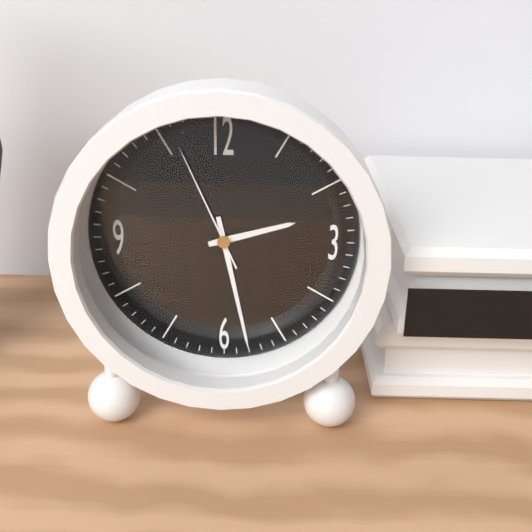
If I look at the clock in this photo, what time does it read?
2:28:56
